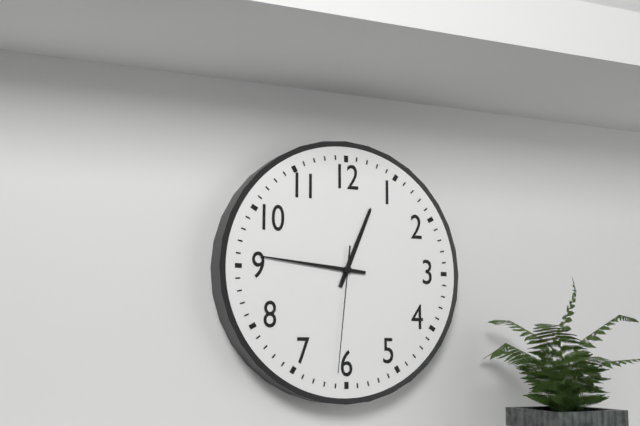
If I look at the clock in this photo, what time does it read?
12:46:31
